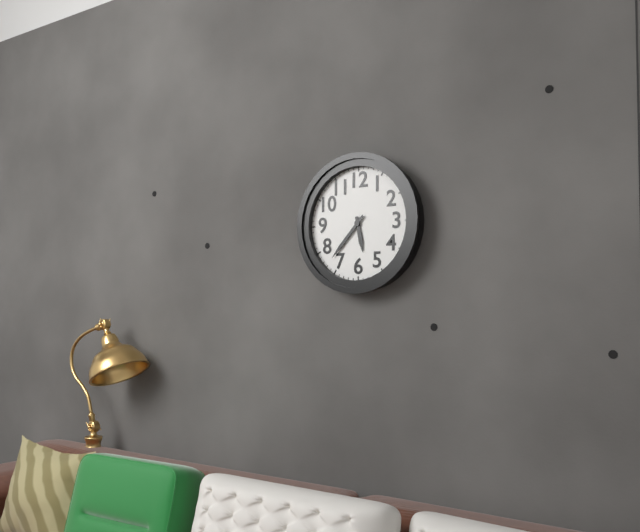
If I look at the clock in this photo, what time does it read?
5:37
